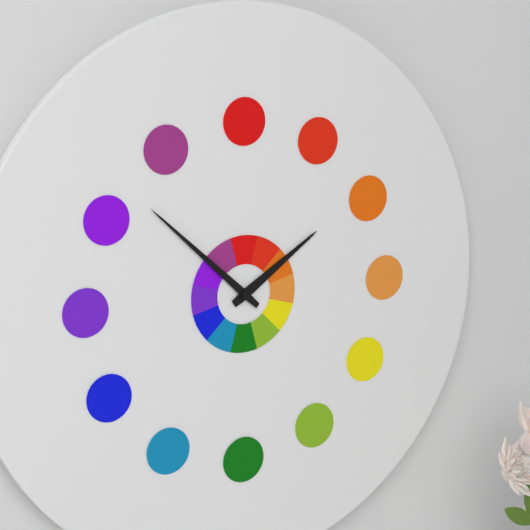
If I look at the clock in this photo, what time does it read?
1:52
